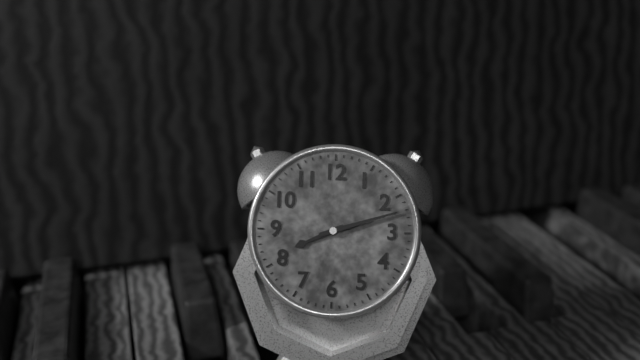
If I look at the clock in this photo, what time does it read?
8:12
